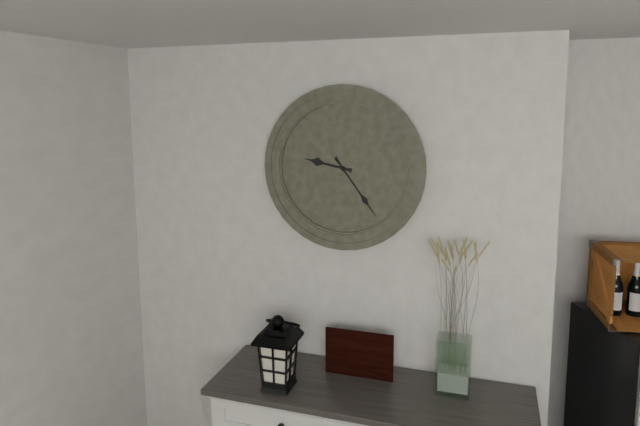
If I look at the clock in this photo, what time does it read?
9:24
